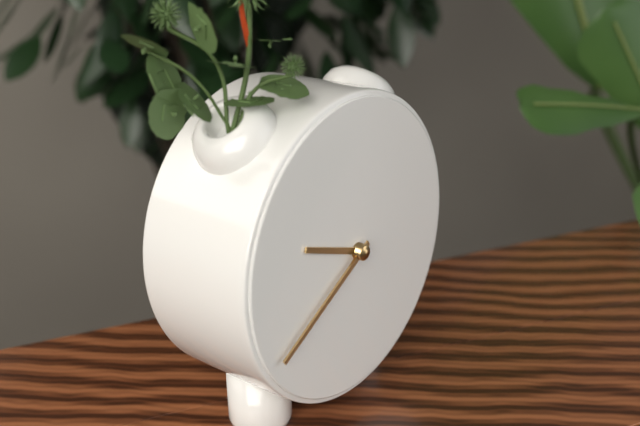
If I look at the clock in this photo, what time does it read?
9:40
